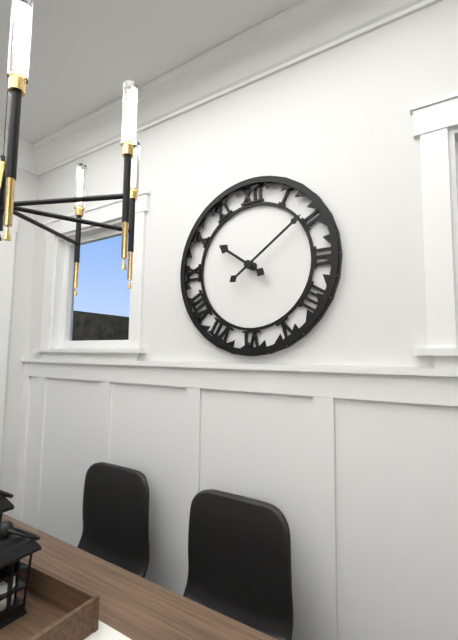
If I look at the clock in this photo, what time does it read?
10:09
